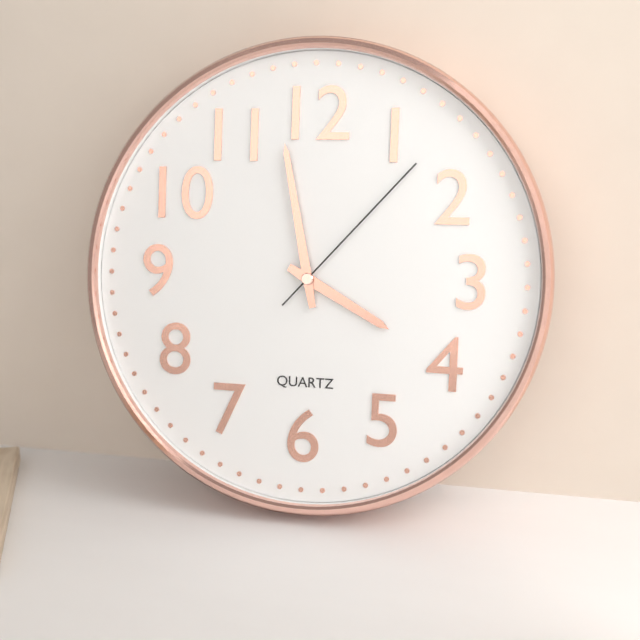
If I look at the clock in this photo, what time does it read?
3:58:07
